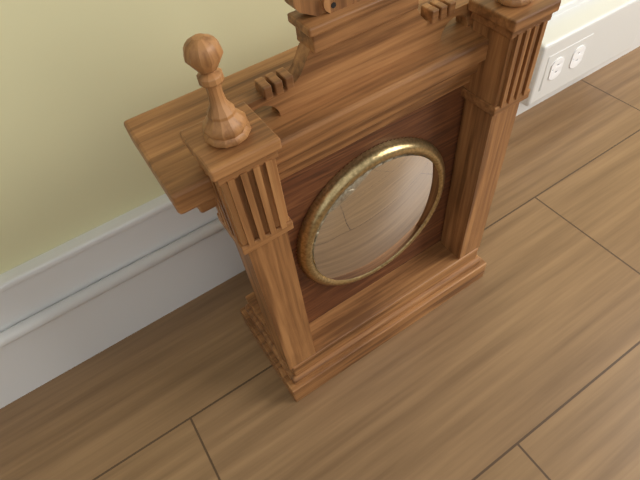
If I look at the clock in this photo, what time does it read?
2:04
